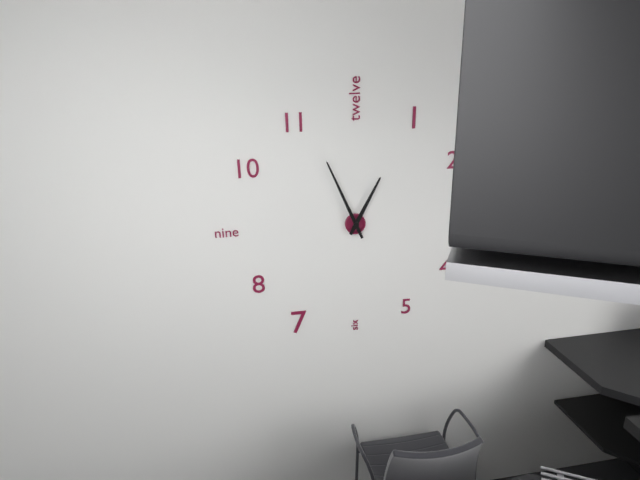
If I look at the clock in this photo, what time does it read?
12:56
